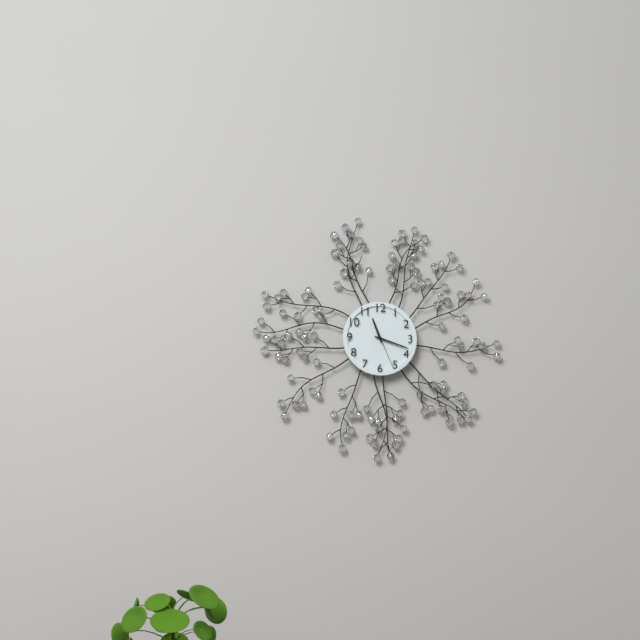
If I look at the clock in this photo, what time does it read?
11:18
